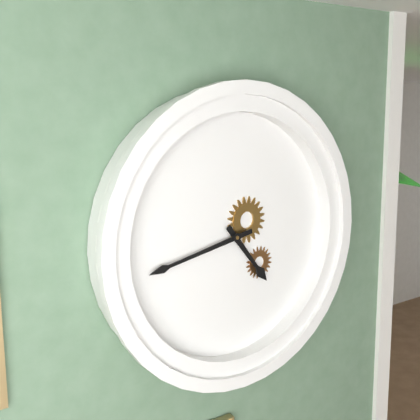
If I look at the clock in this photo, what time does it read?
4:43
